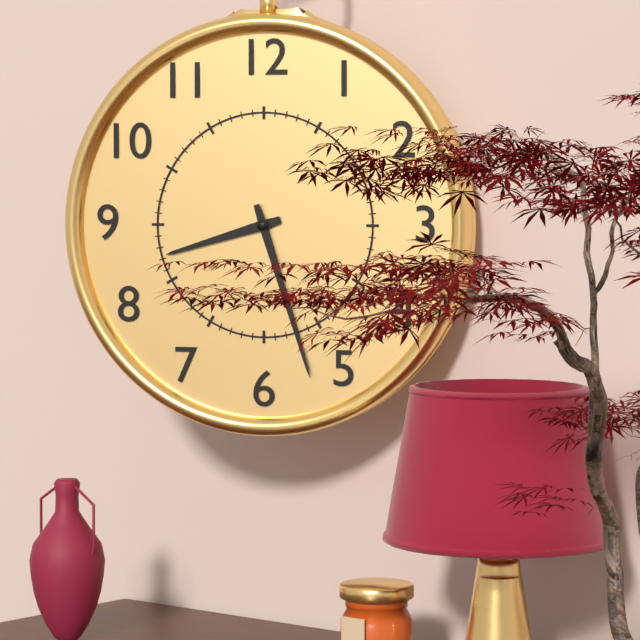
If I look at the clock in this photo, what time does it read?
8:27
